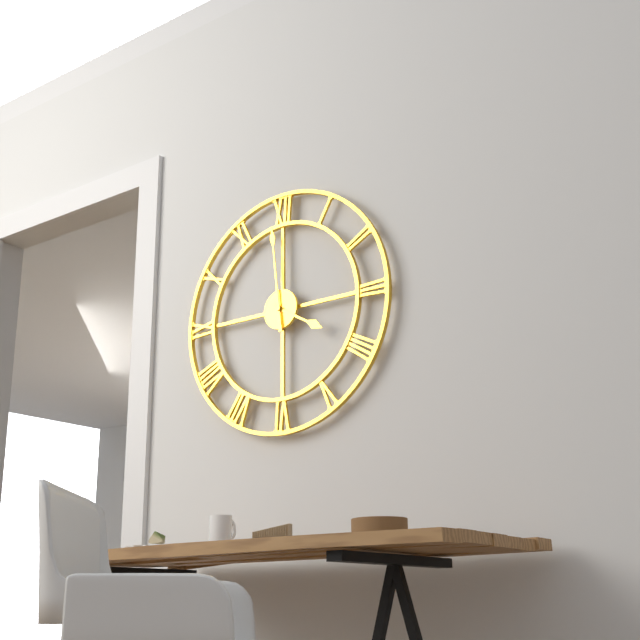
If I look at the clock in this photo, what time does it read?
3:59
